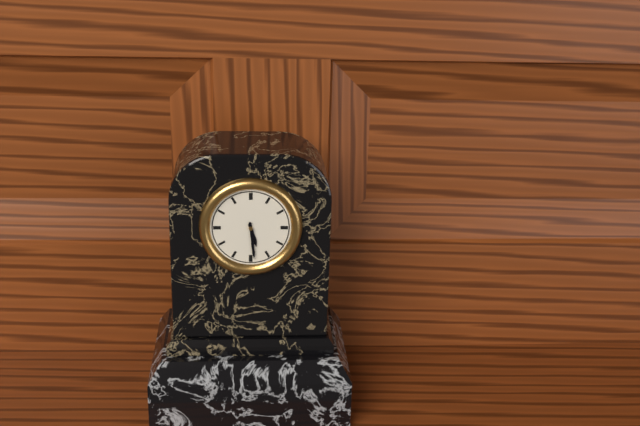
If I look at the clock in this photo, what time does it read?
5:29
